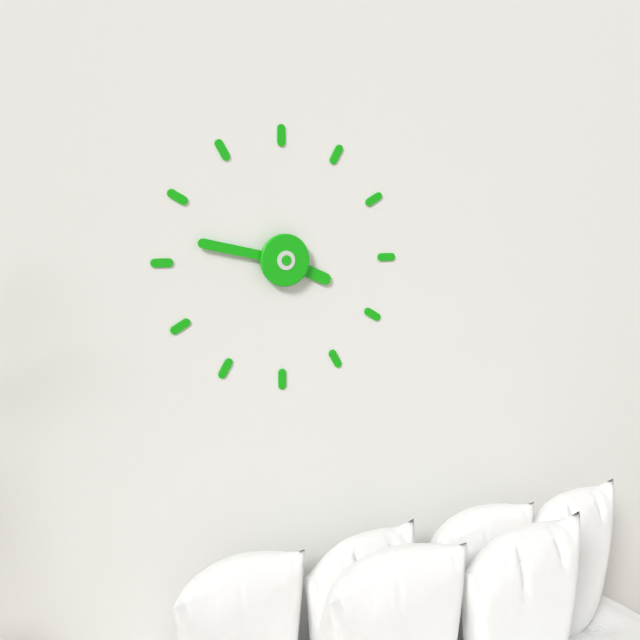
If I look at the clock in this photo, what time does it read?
3:47
